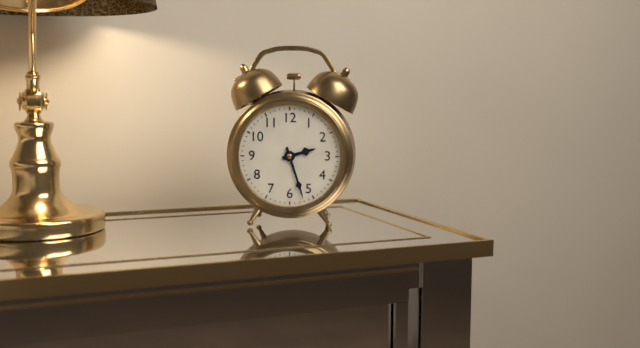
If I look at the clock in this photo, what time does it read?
2:27
